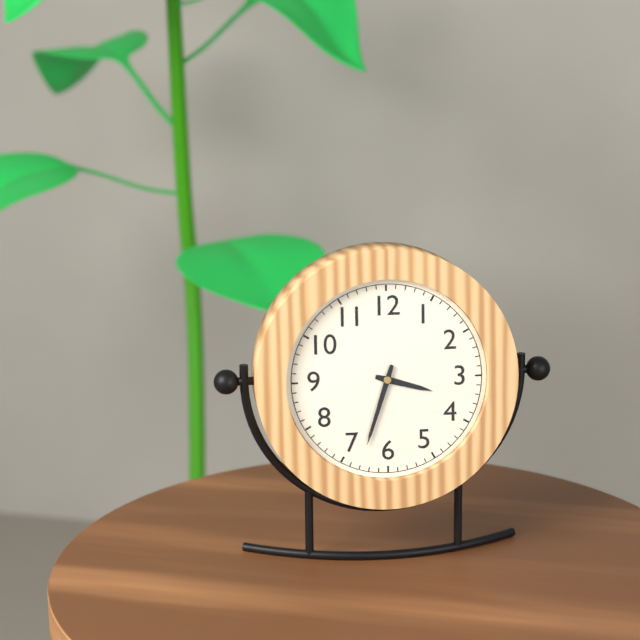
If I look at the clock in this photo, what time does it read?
3:33
